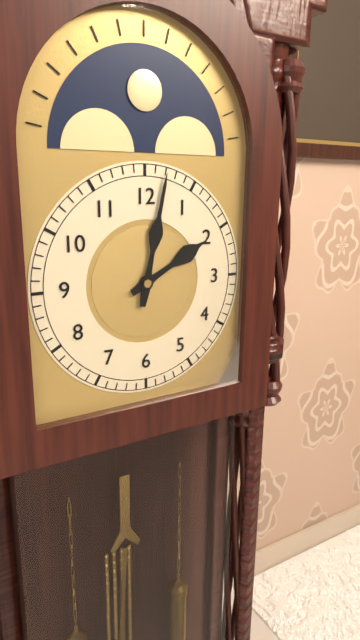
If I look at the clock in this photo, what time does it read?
2:02
